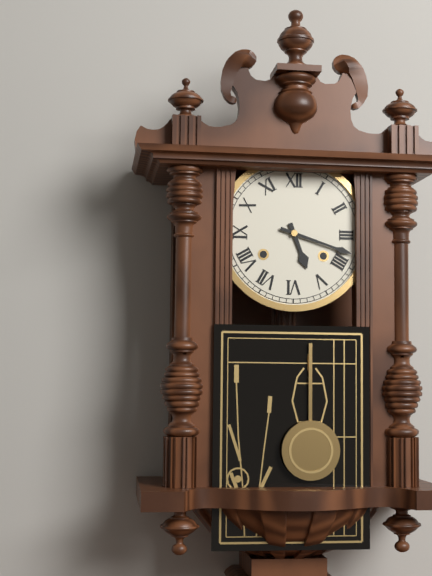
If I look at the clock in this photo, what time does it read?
5:18
